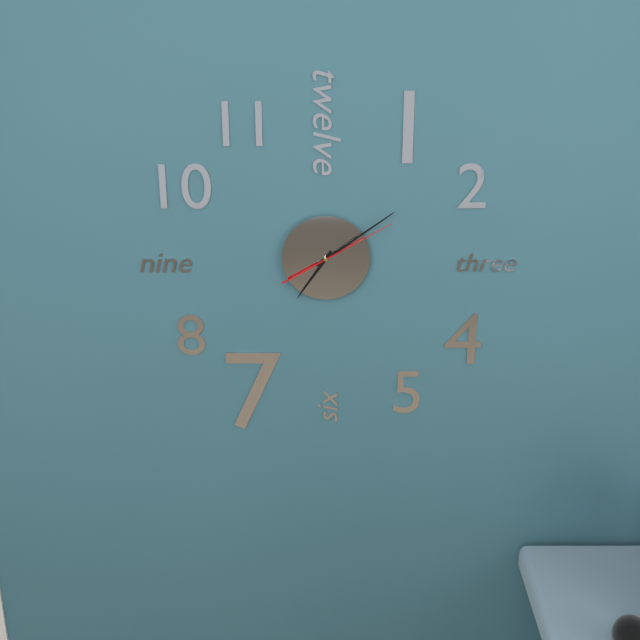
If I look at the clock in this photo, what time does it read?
7:09:10
